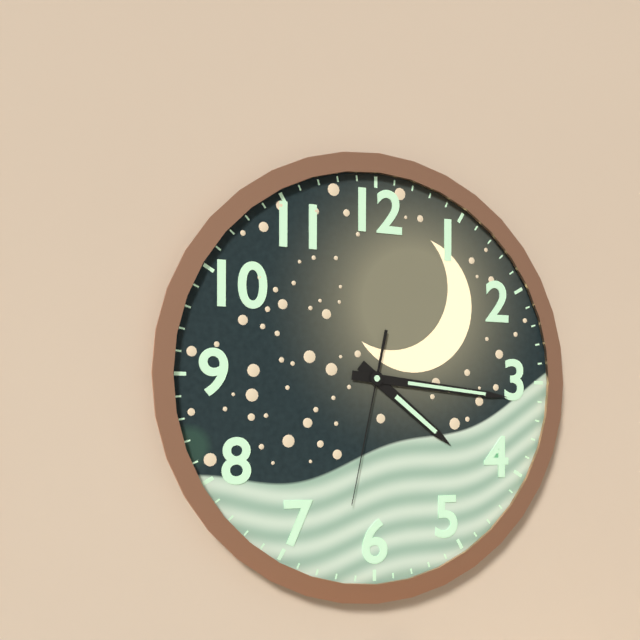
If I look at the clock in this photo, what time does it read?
4:16:32
